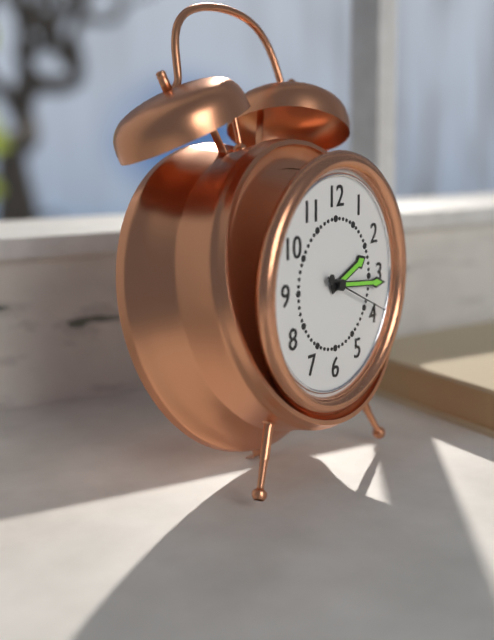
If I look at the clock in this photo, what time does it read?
2:16:19
